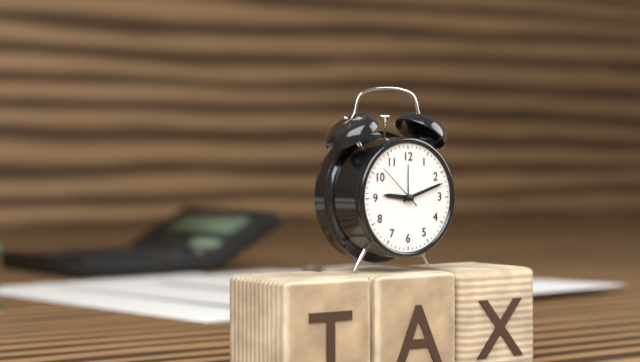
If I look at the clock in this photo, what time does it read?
9:12
